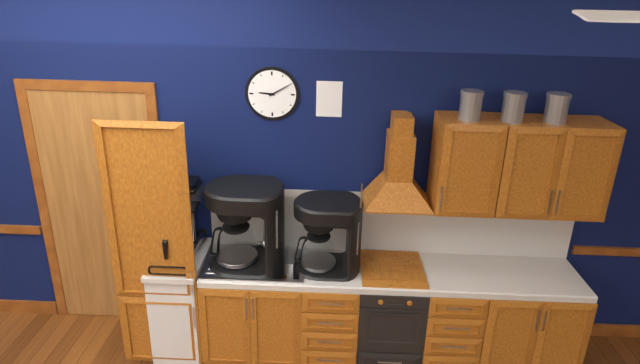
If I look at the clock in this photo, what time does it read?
9:10
